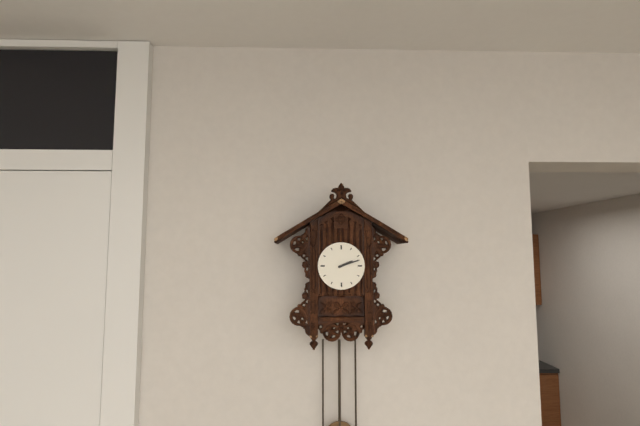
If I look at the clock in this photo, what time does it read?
2:12
